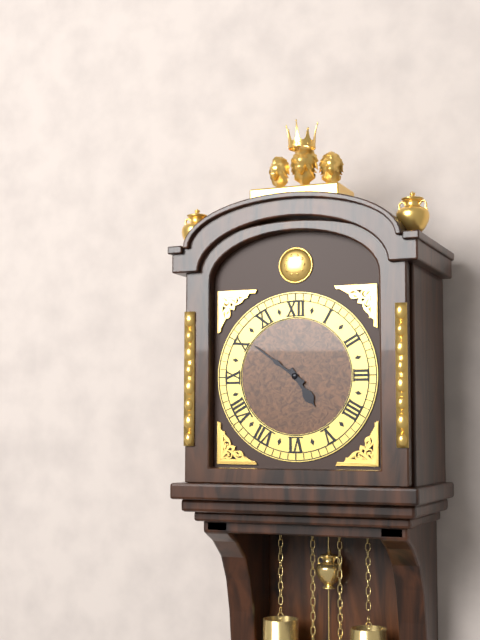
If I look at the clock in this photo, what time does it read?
4:51
